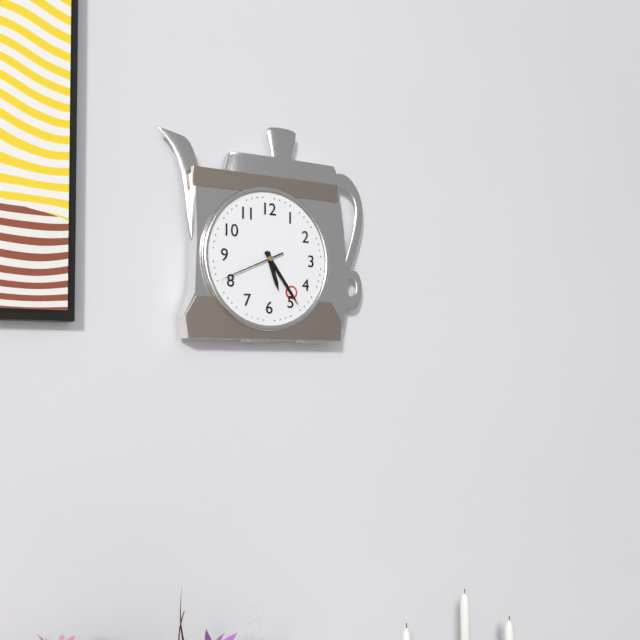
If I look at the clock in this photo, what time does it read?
5:24:41
